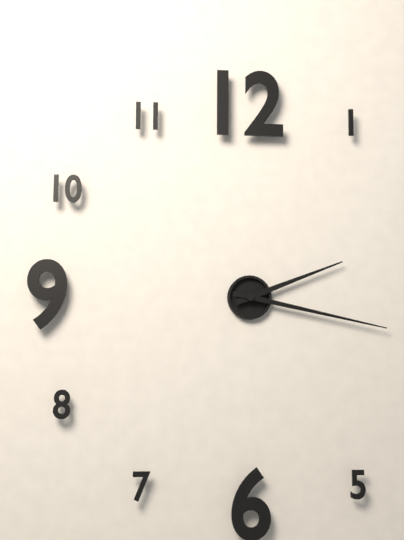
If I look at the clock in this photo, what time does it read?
2:17
